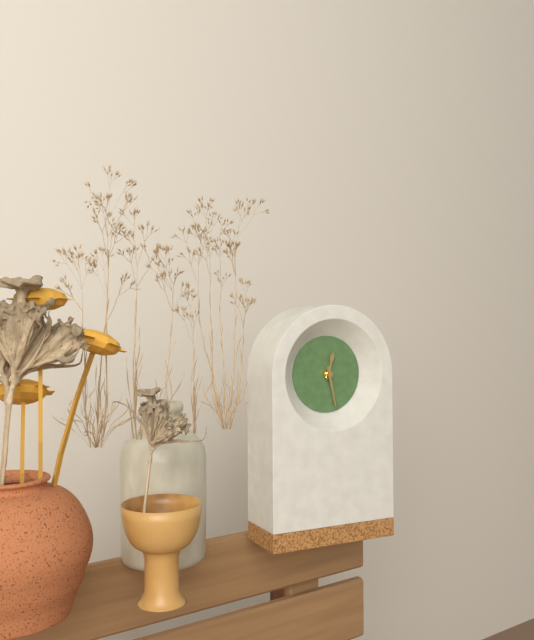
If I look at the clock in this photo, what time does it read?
12:28
